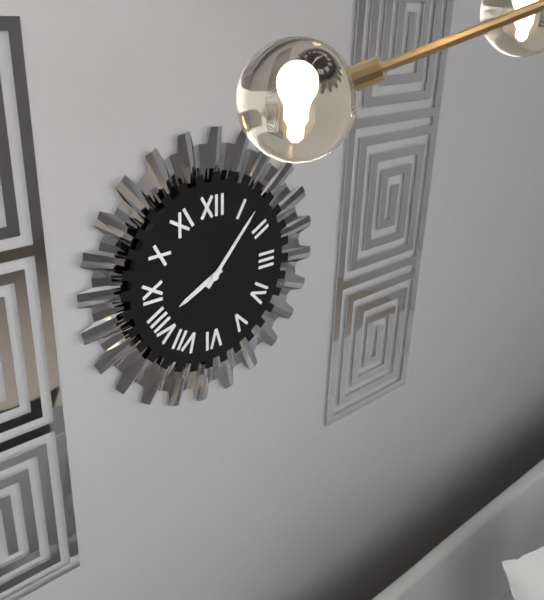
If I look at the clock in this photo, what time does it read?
8:07
